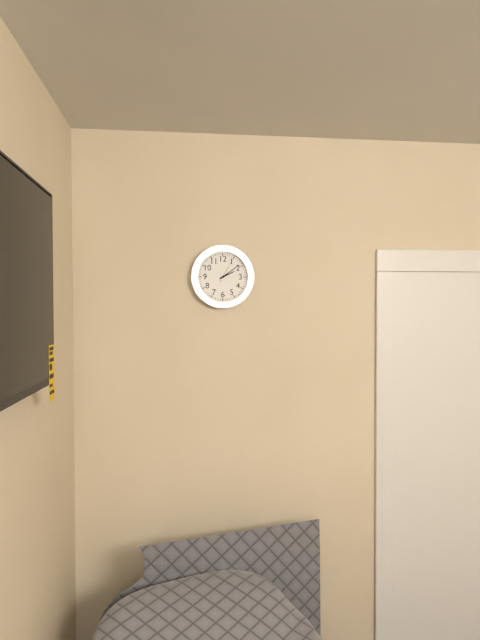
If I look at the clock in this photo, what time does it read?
2:09
